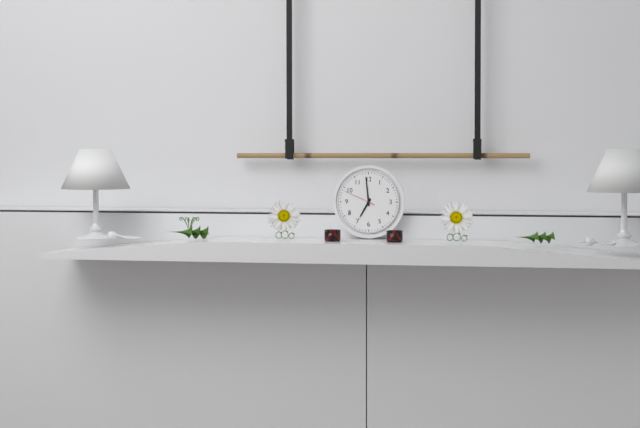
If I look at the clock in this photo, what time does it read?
6:59
